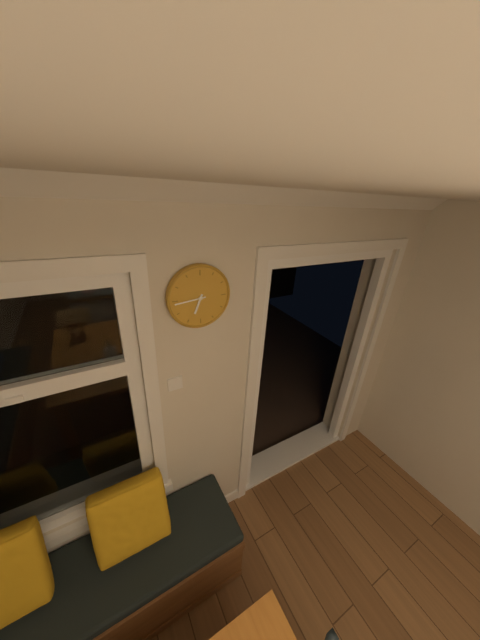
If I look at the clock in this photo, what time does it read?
6:44
